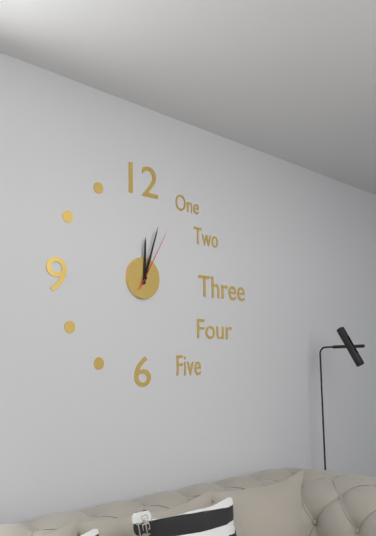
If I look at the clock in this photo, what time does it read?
12:03:05
